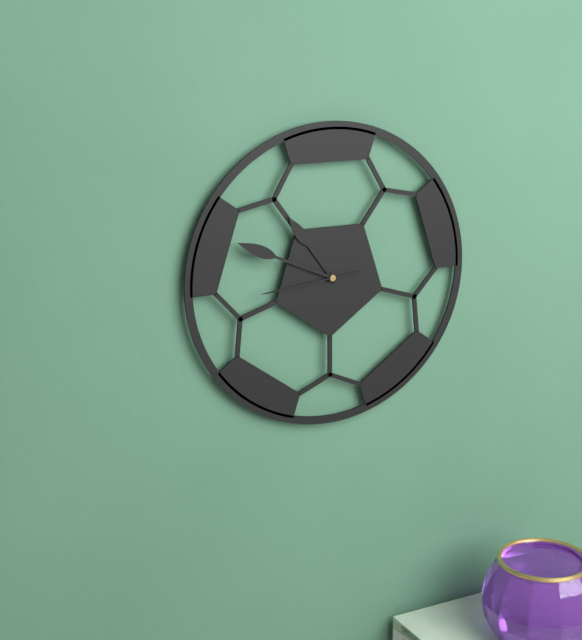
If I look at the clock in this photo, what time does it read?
10:49:44
